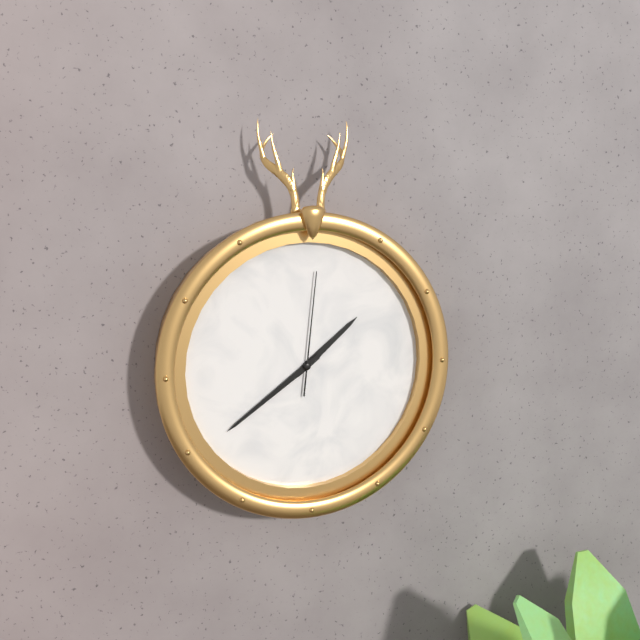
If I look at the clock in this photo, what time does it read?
1:39:01
